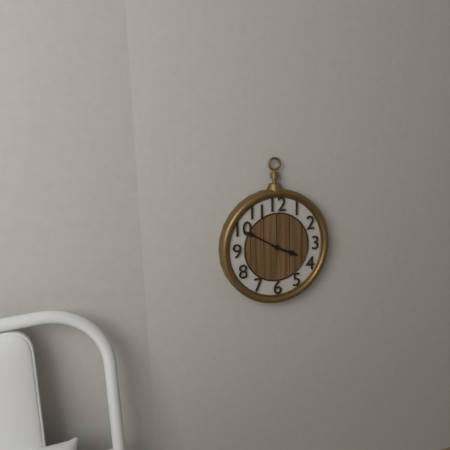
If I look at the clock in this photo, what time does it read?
3:50
